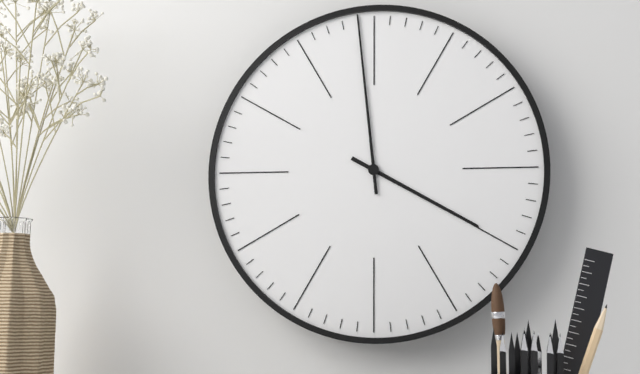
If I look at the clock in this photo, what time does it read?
3:59
